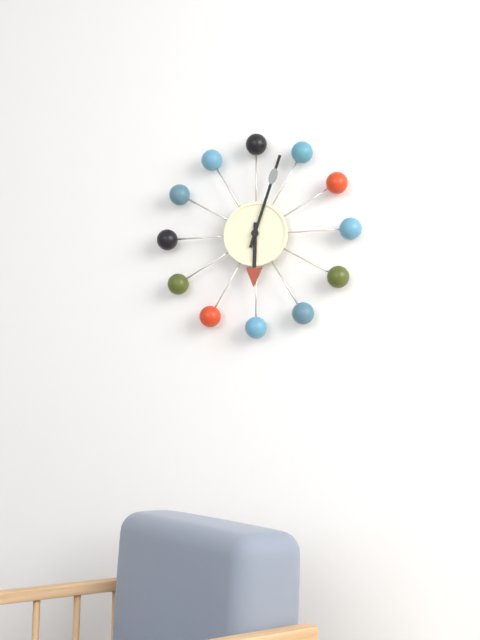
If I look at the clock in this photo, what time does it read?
6:03
